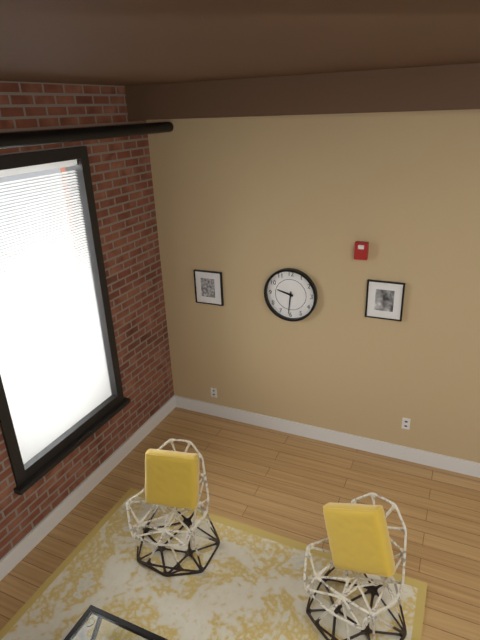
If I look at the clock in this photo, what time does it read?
9:31
